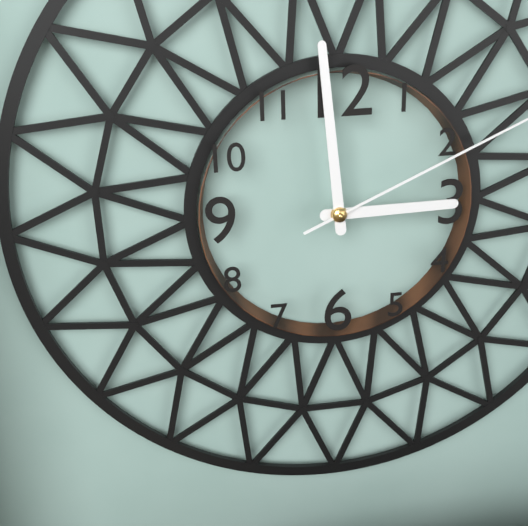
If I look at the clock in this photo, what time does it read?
2:59
